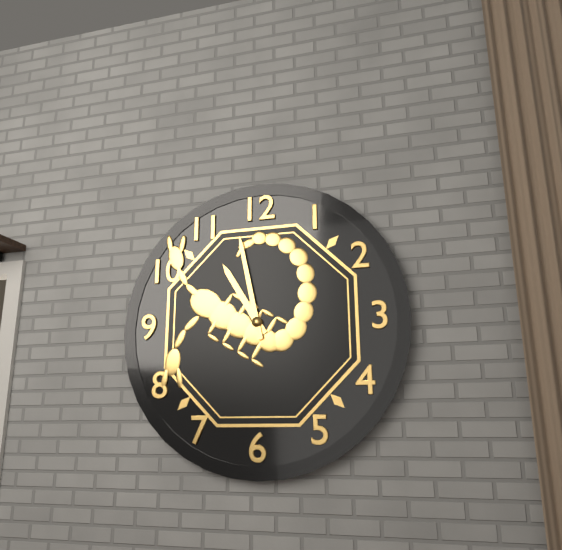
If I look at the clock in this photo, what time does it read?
10:58
